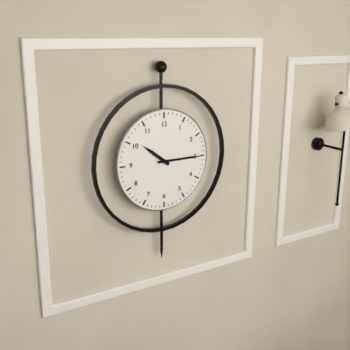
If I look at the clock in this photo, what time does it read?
10:15
